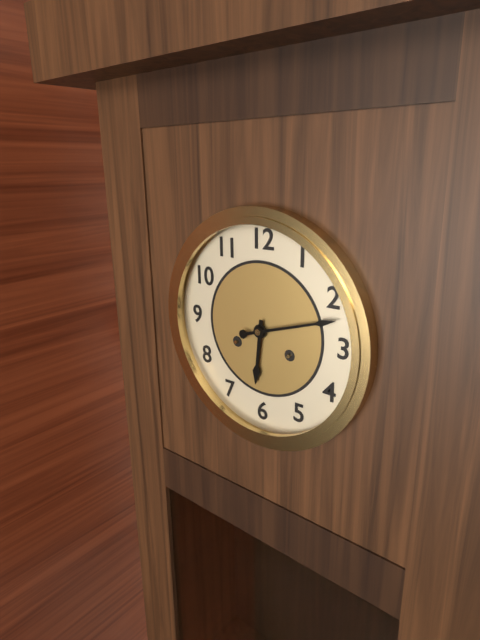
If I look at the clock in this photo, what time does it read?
6:12
